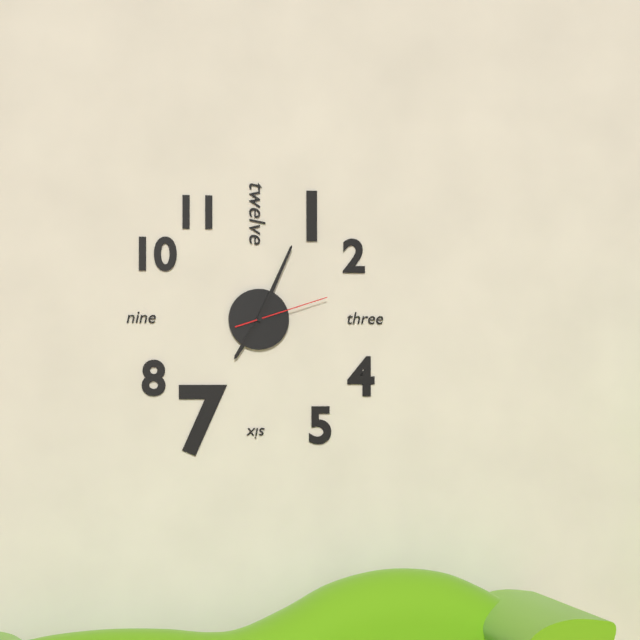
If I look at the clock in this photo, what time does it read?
7:04:12
